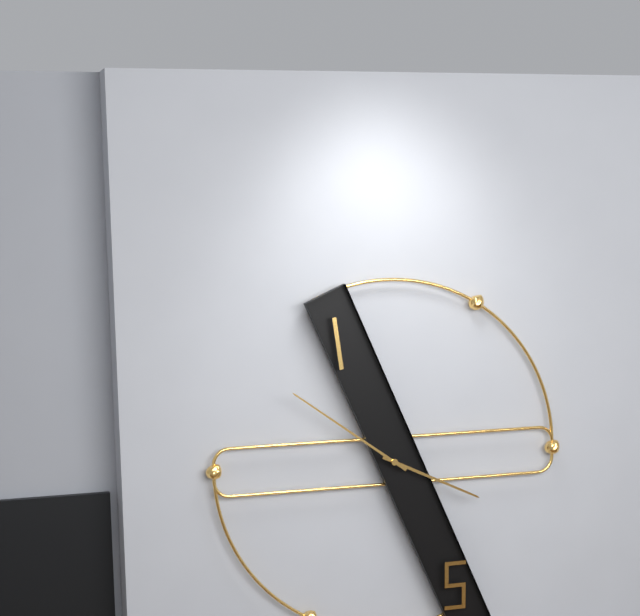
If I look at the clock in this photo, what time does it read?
3:51
